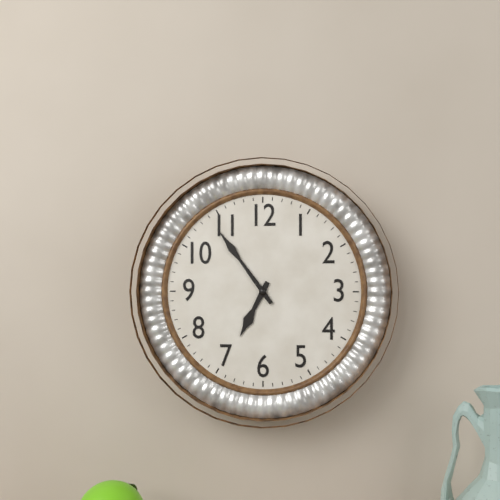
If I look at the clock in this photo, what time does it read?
6:54
